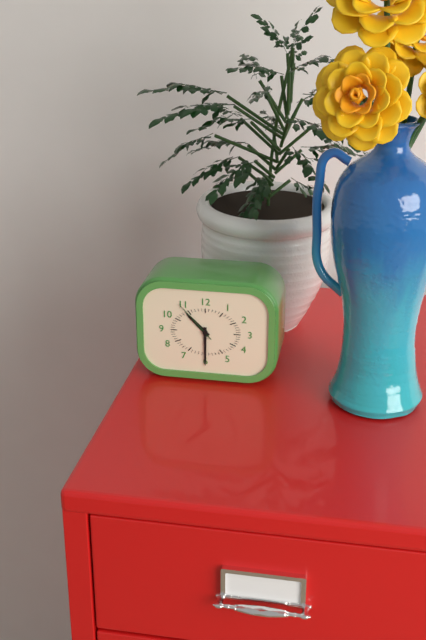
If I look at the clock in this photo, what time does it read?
10:30
